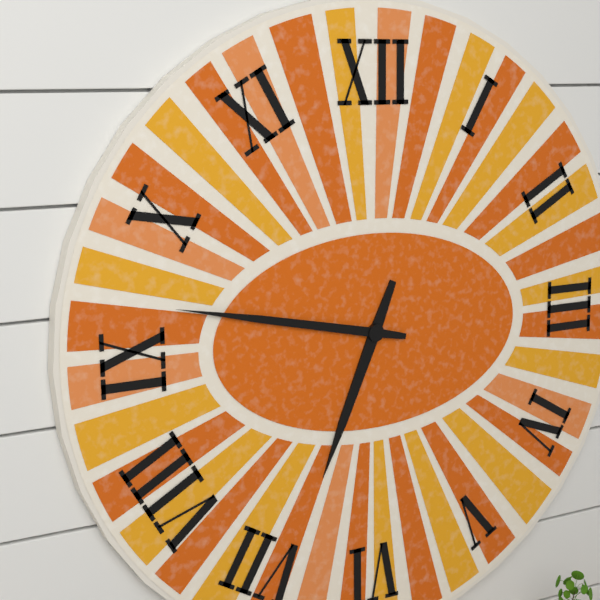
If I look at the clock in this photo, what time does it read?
6:47
